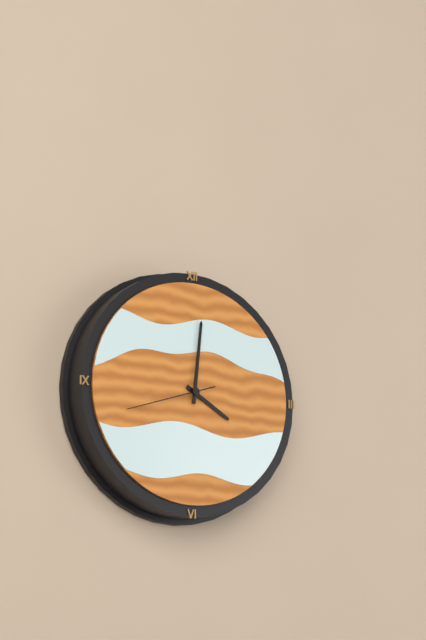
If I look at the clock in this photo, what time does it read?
4:01:42
